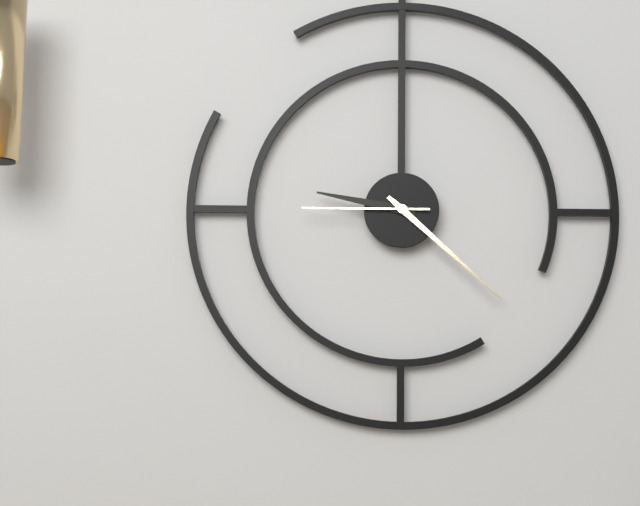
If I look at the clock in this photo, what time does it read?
9:22:45
